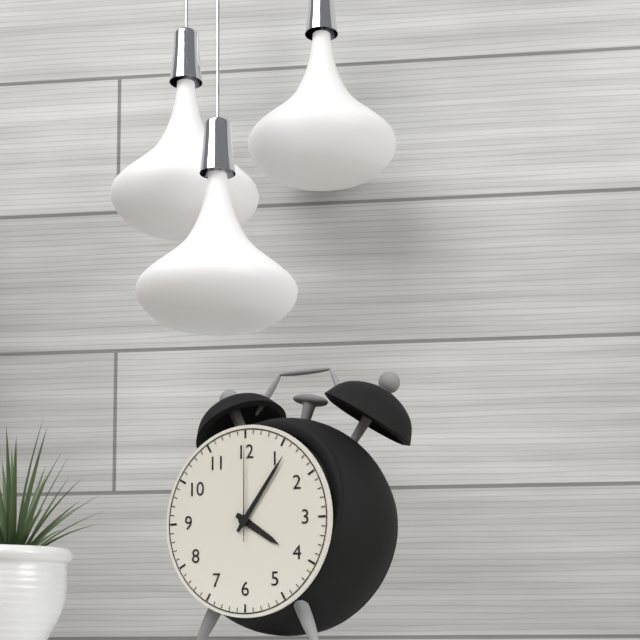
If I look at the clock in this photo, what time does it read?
4:06:00
